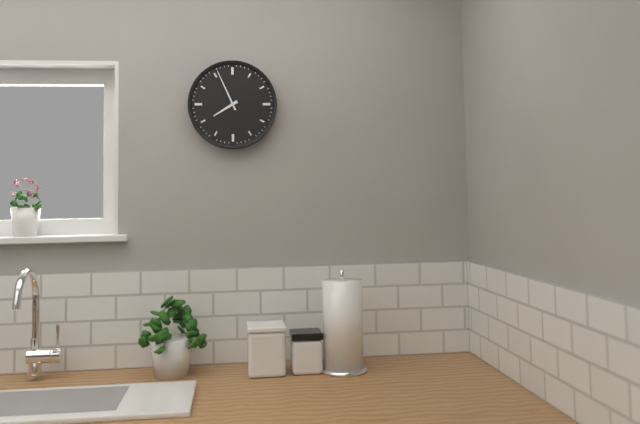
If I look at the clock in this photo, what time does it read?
7:56
